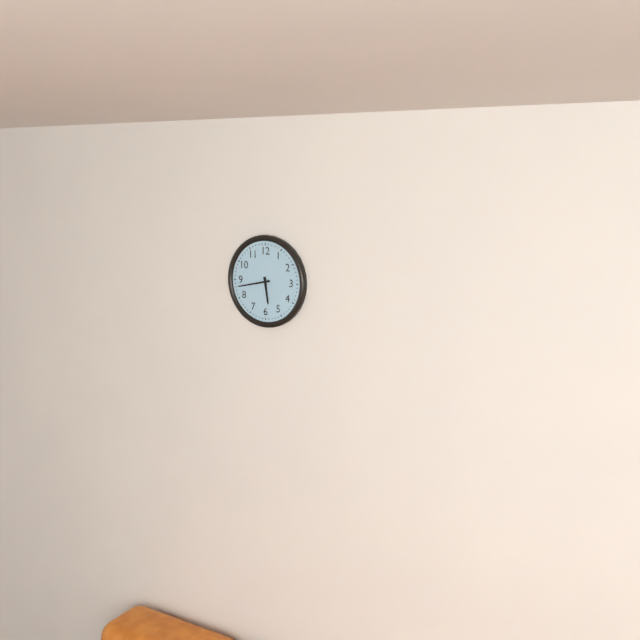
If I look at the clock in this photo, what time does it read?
5:43
